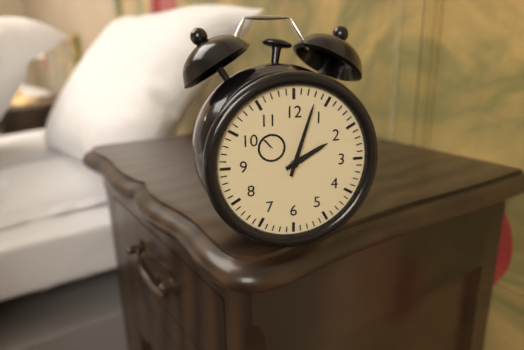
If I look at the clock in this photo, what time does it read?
2:03
